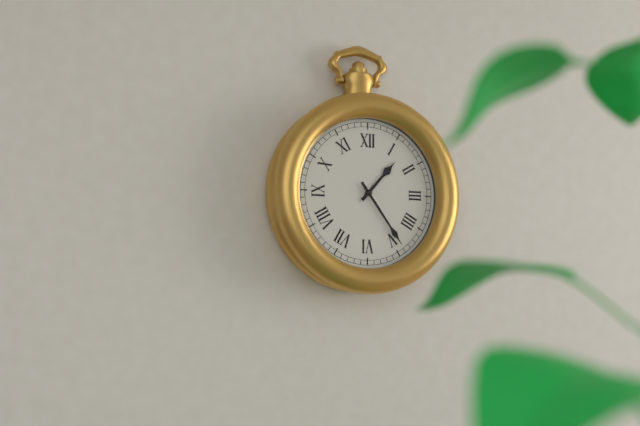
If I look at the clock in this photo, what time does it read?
1:24
